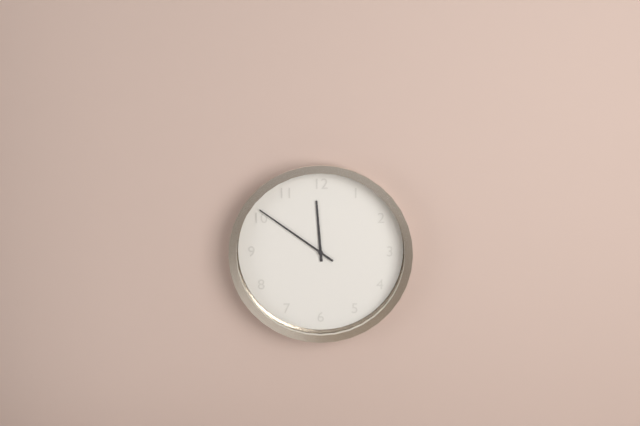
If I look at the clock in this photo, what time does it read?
11:51
